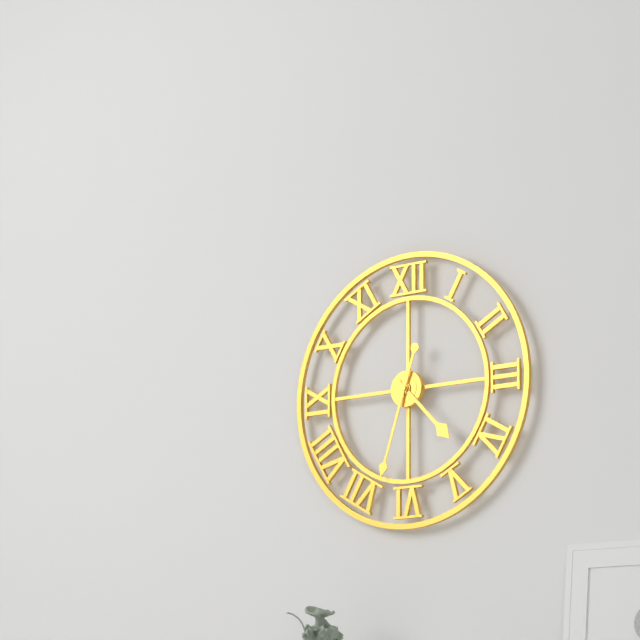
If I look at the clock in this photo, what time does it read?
4:33
